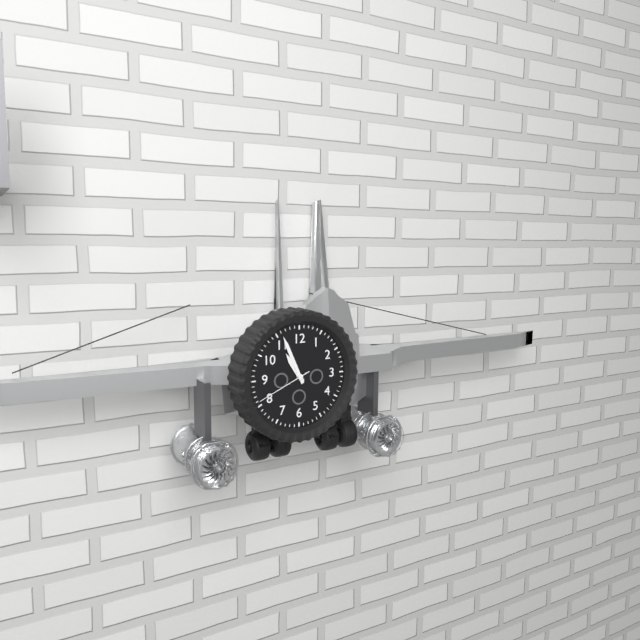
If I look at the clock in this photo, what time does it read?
10:56:41
